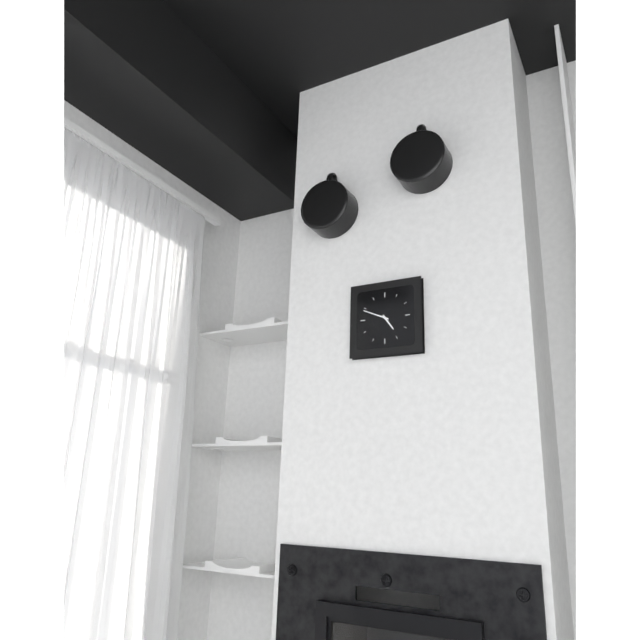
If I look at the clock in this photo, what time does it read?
4:49
